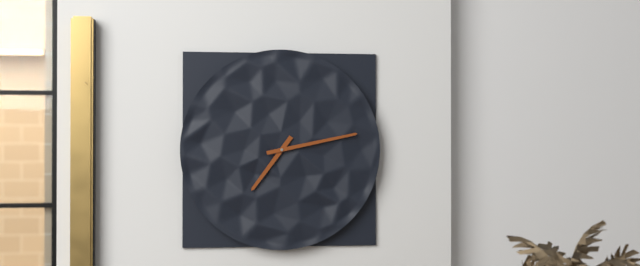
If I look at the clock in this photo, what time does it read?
7:13
